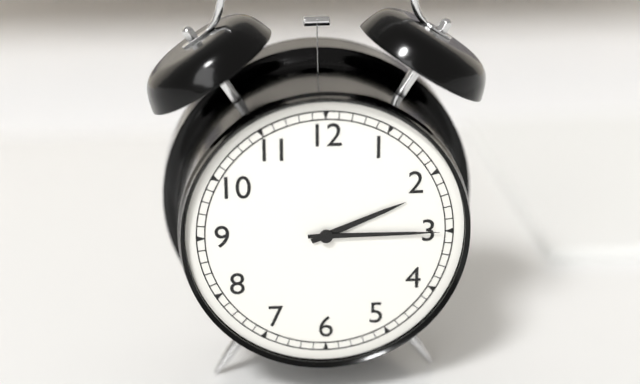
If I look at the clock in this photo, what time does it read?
2:15
